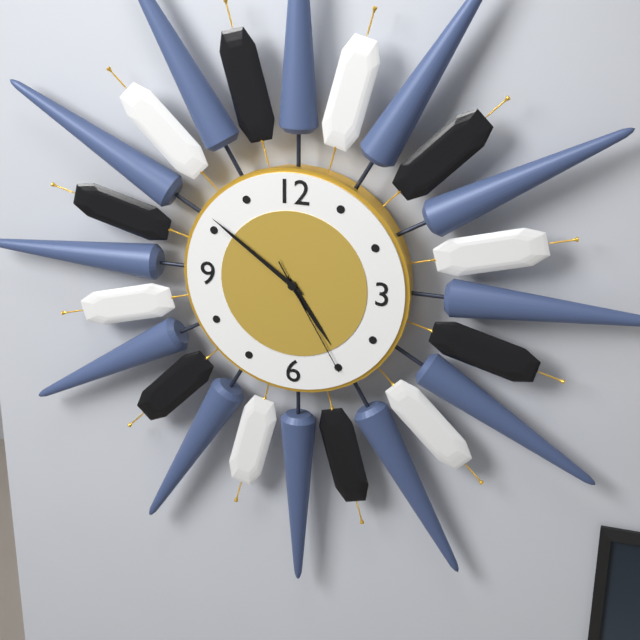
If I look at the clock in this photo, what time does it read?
4:51:25
